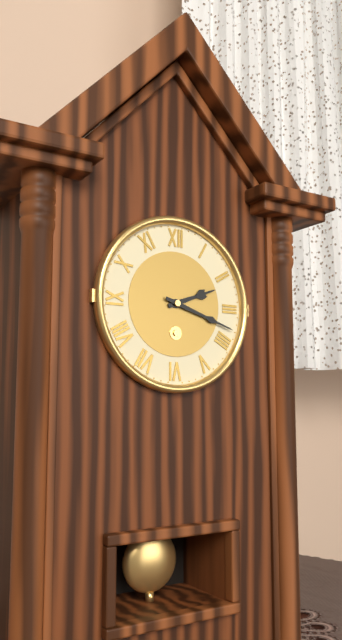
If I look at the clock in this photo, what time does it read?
2:18
